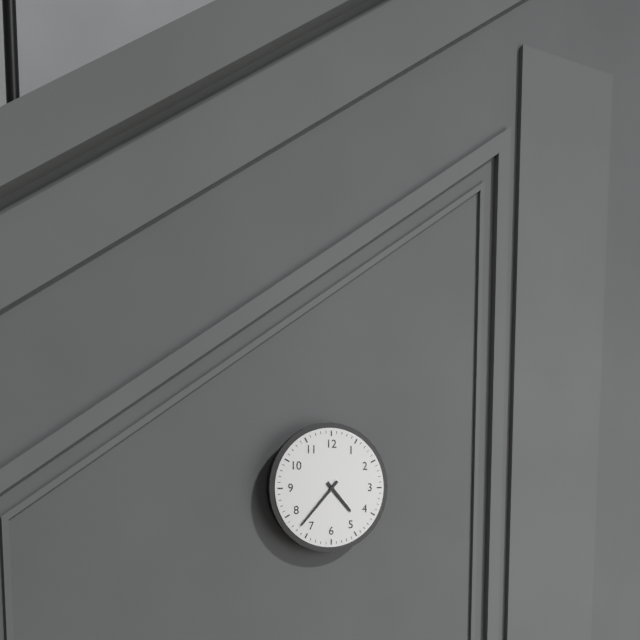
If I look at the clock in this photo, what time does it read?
4:37
